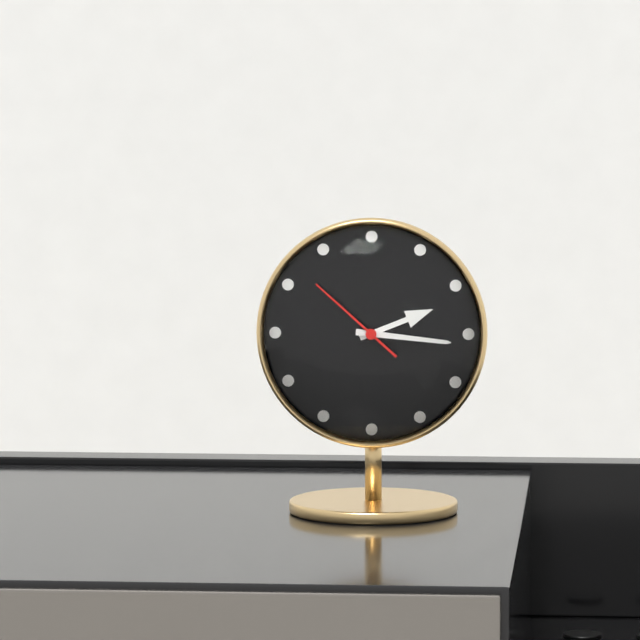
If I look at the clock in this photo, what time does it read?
2:16:52
